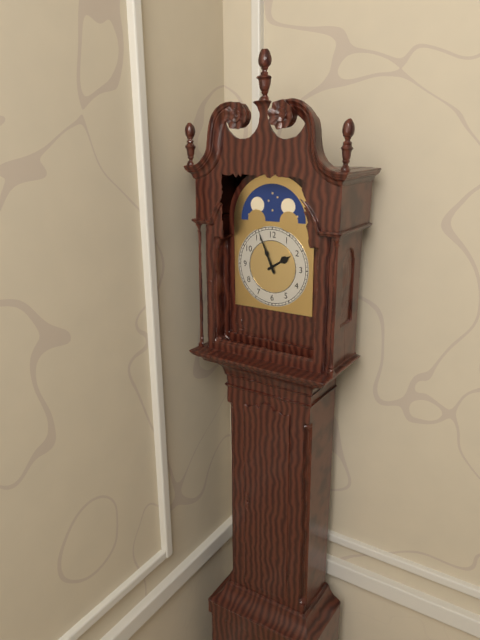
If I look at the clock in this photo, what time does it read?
1:56
